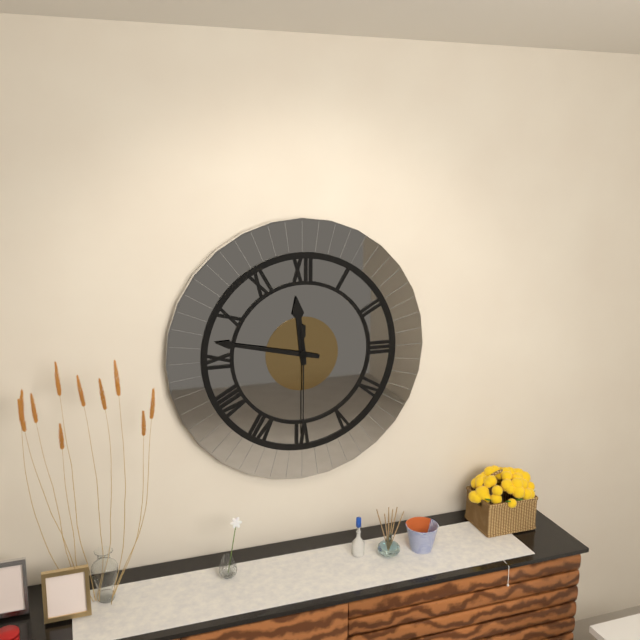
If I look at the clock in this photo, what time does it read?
11:47:30
